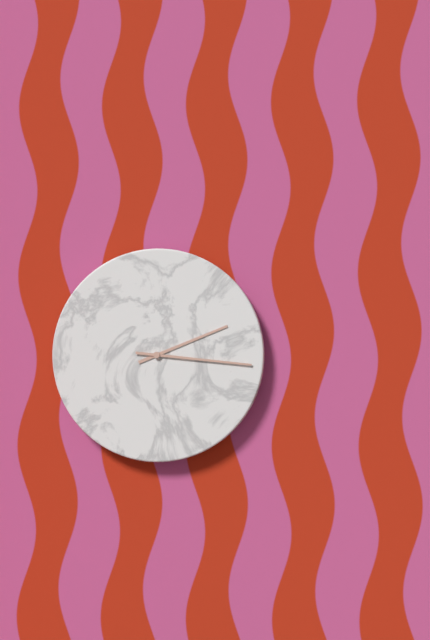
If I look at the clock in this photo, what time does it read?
2:16
